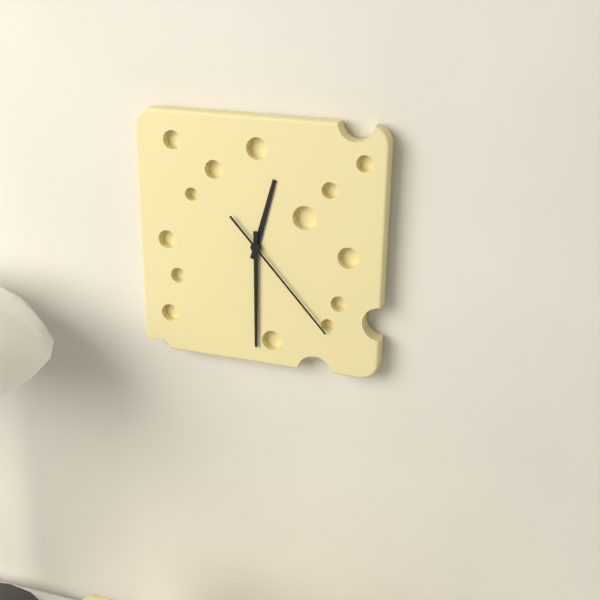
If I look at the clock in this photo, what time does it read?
12:30:23
